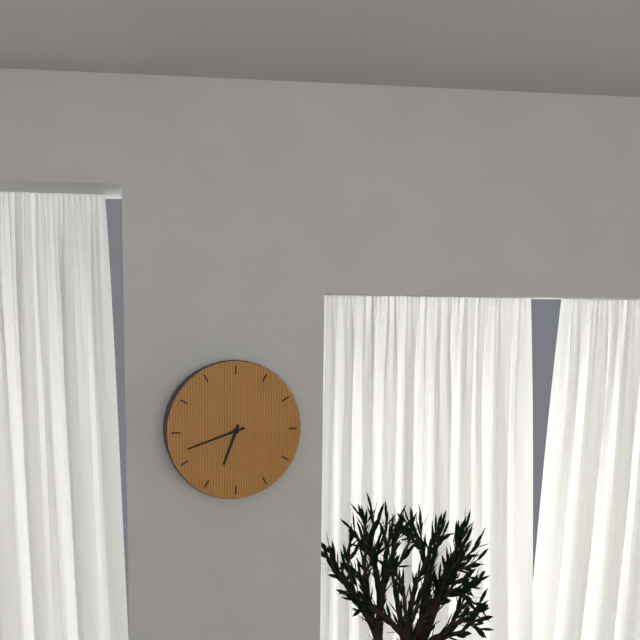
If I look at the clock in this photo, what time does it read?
6:42
